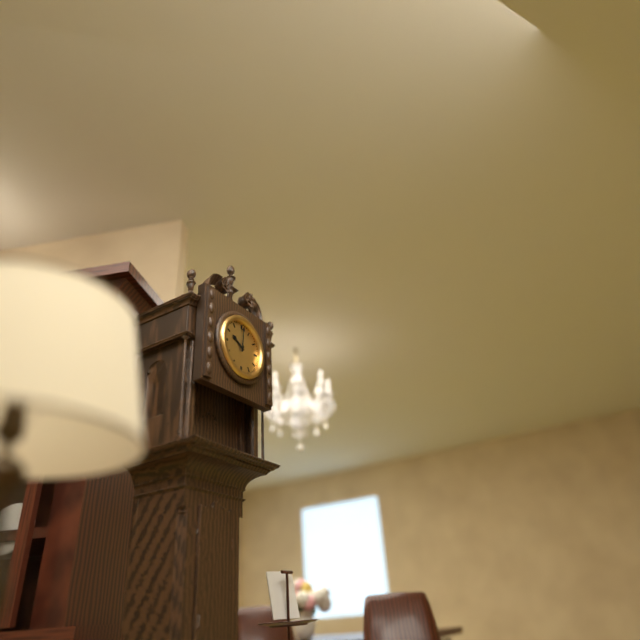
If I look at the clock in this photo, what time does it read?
10:01
